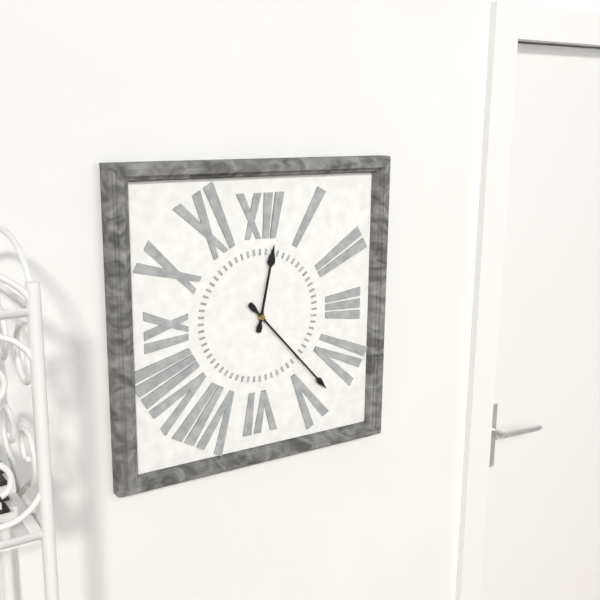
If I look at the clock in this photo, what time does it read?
12:23
